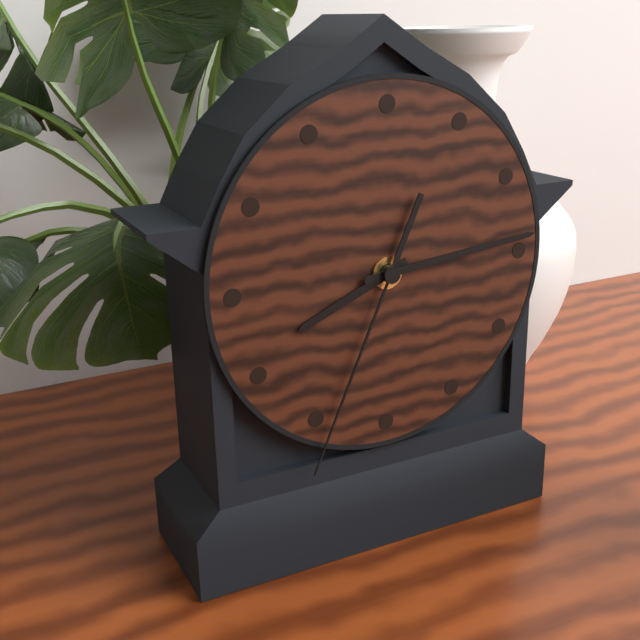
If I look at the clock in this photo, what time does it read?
8:14:34
